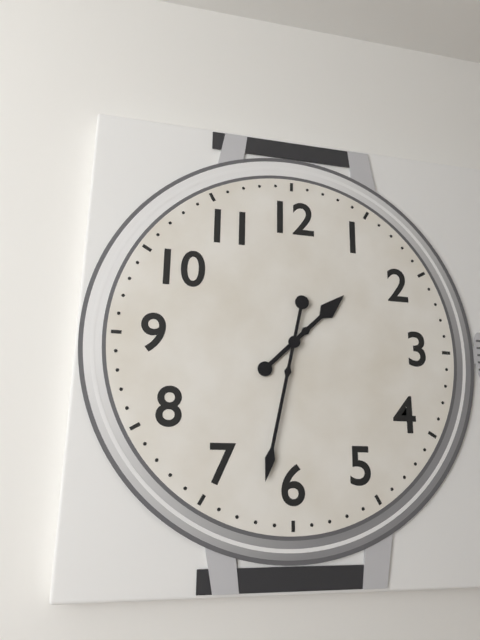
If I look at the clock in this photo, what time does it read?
1:32
